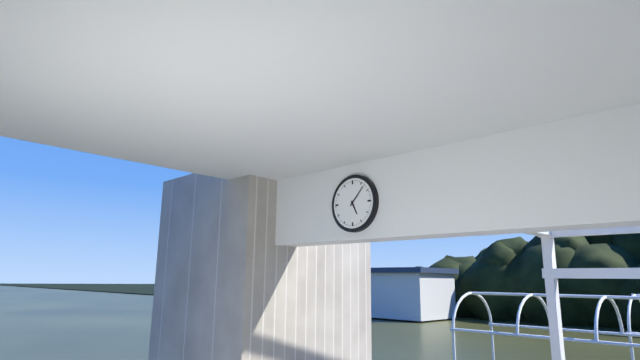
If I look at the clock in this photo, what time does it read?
5:07
